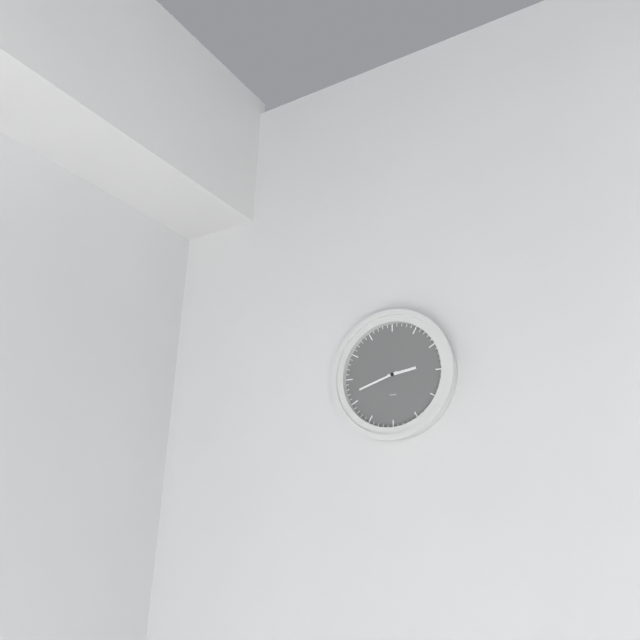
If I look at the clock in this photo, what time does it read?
2:42
